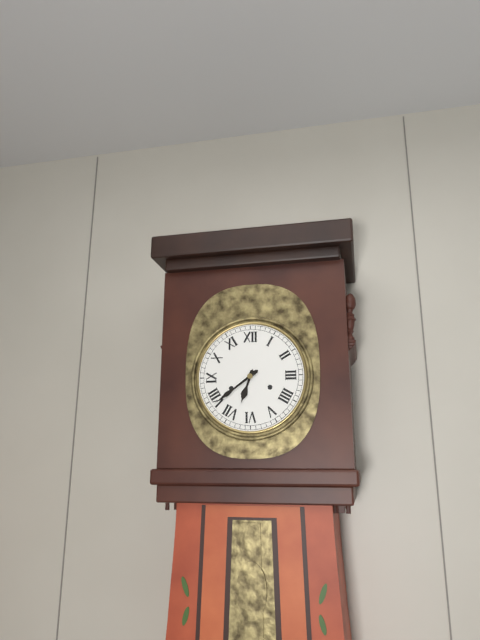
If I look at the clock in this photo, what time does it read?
6:39
